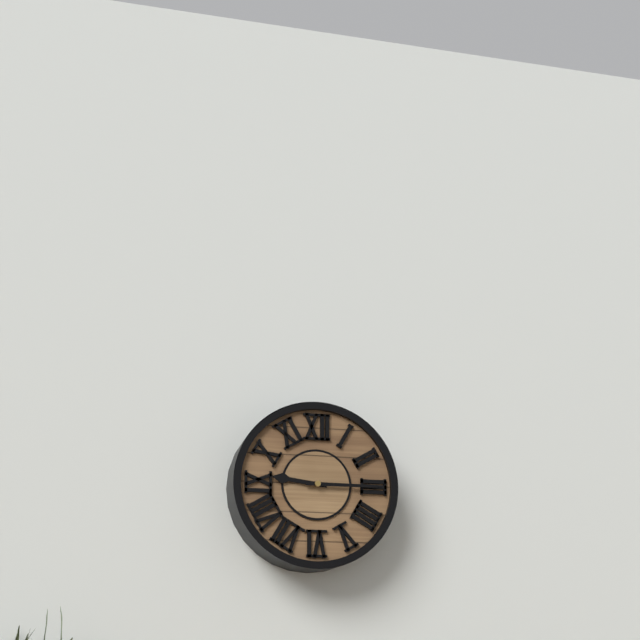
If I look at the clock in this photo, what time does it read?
9:15
